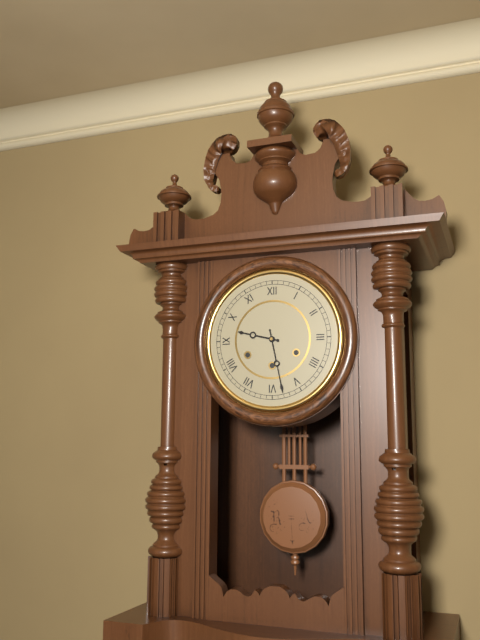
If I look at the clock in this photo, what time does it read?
9:28
